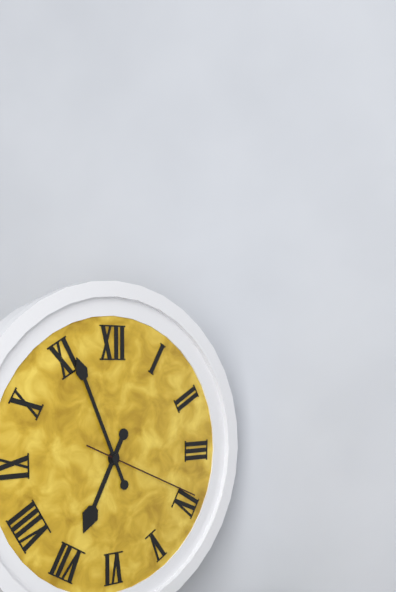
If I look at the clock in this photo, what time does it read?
6:56:19
